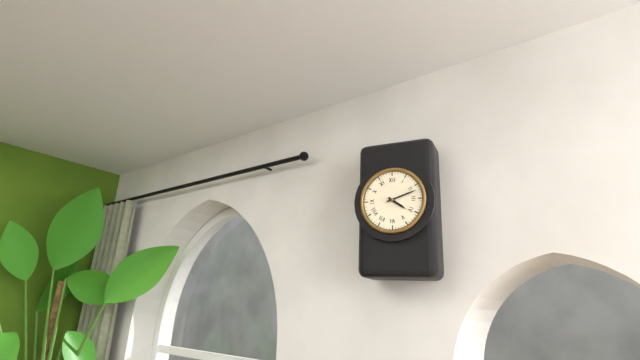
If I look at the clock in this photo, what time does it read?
4:12
